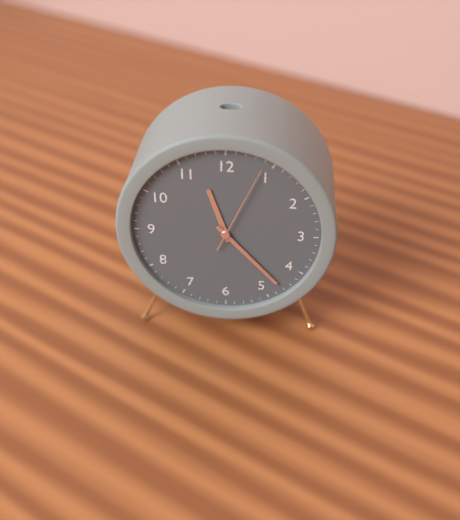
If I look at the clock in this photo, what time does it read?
11:23:04
